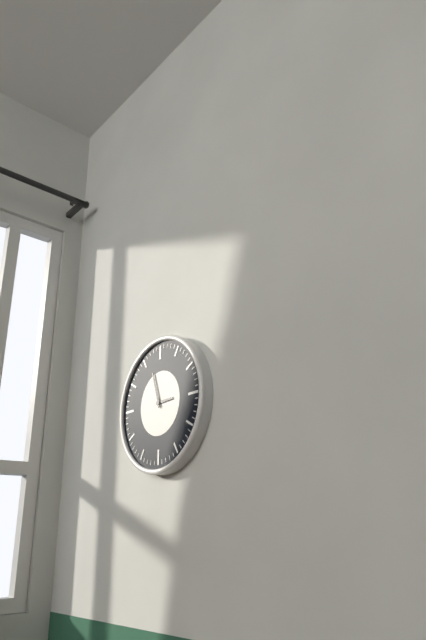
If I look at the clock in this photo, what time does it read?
2:57
